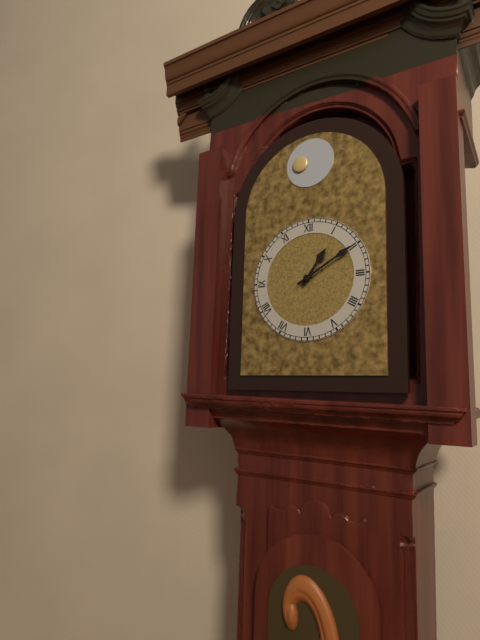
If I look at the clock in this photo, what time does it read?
1:10
